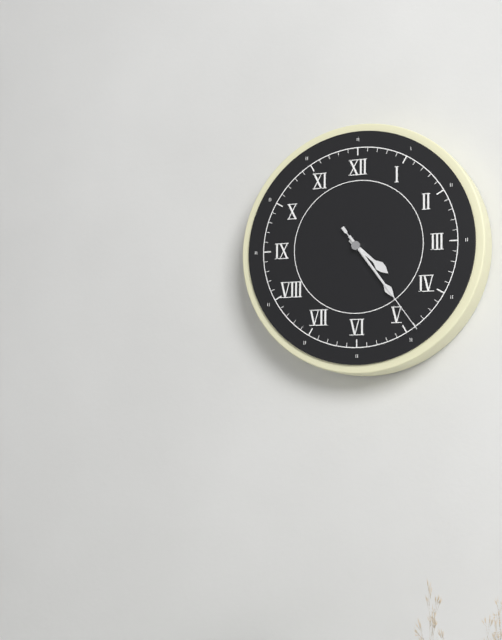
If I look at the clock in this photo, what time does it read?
4:24:24
